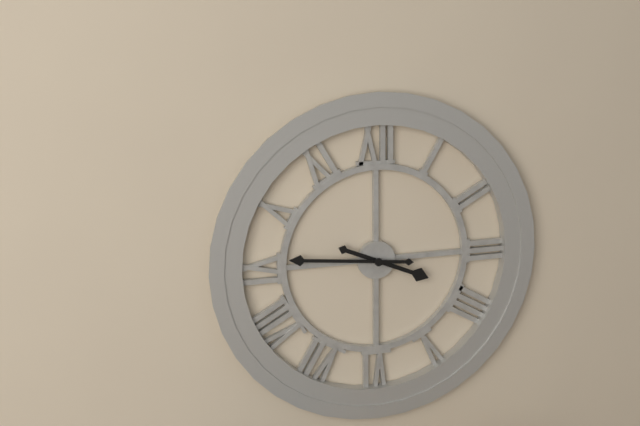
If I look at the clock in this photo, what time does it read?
3:46
